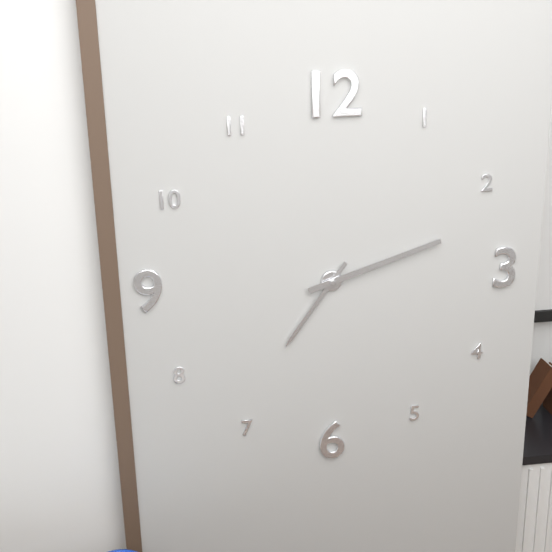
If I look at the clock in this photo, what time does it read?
7:12
